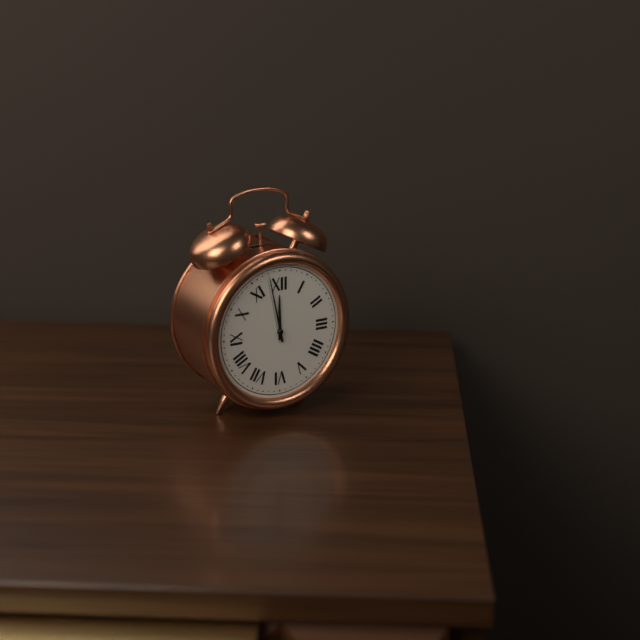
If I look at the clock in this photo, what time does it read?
11:58
